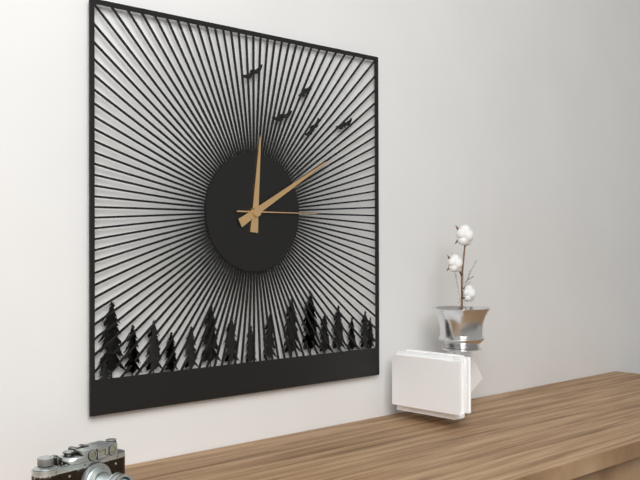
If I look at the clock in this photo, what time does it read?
12:10:15
